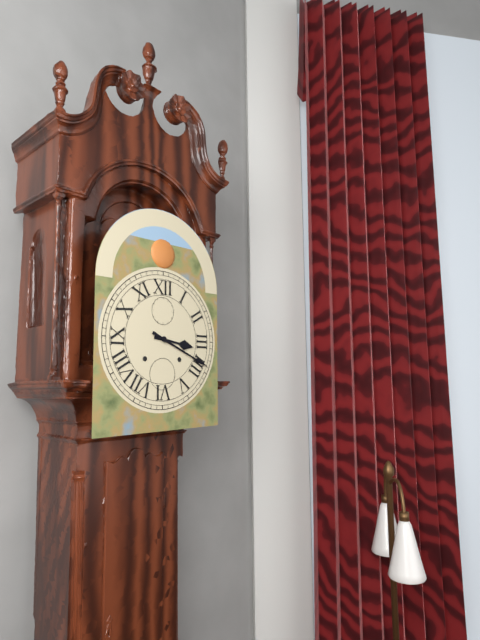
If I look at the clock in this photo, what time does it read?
3:19
